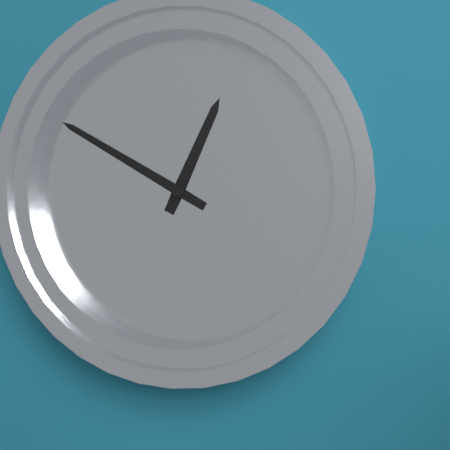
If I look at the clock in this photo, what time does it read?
12:50
